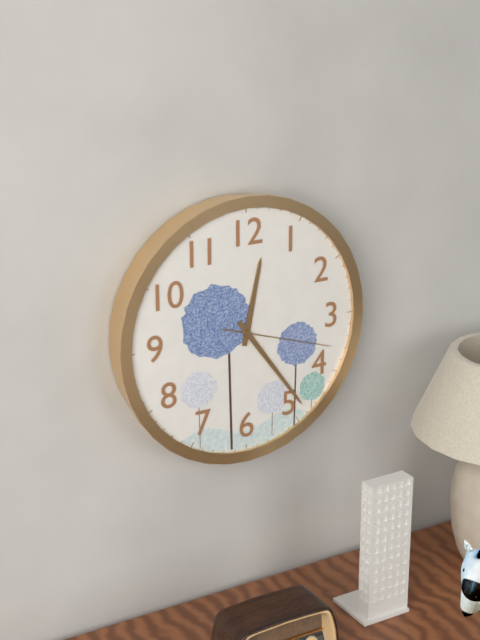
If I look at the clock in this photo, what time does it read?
12:24:18
